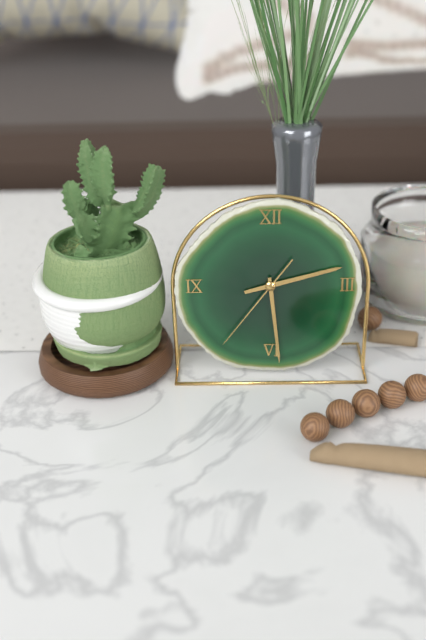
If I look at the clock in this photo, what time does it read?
2:29:36
